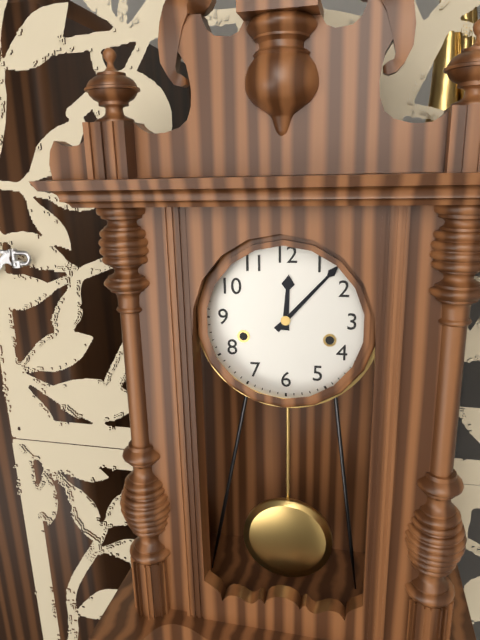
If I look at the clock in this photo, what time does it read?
12:07
